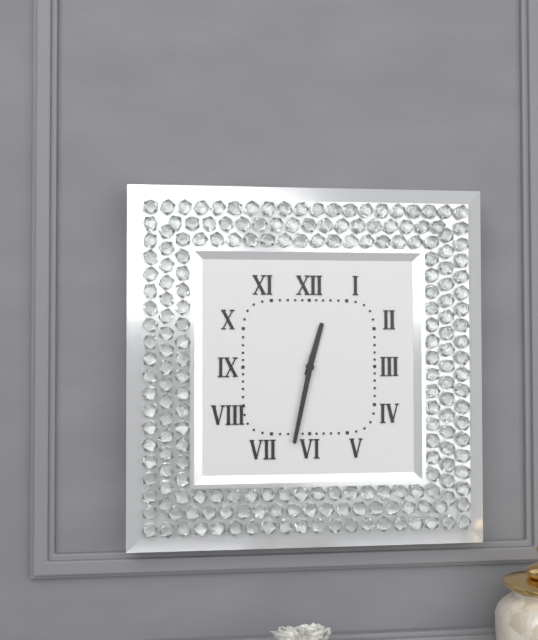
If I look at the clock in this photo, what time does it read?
12:32
